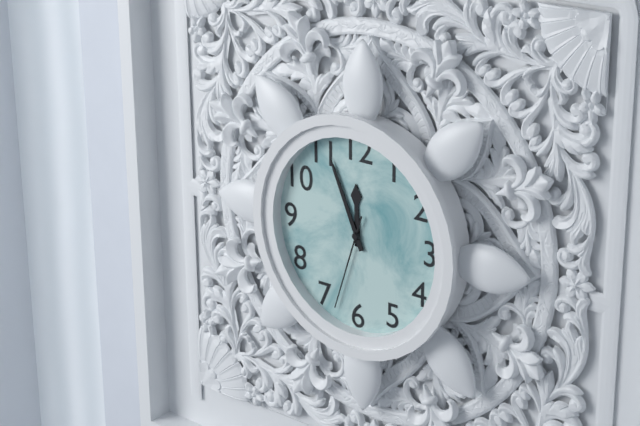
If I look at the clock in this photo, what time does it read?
11:56:33
